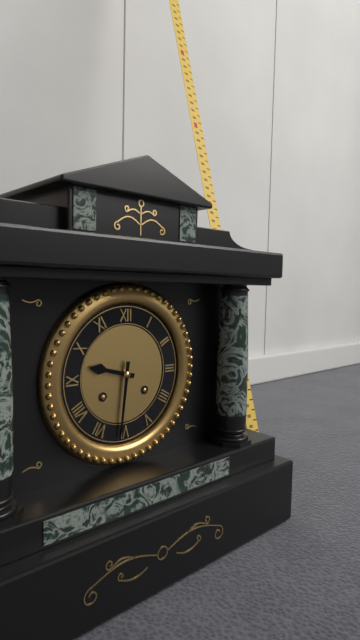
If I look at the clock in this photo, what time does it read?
9:31
